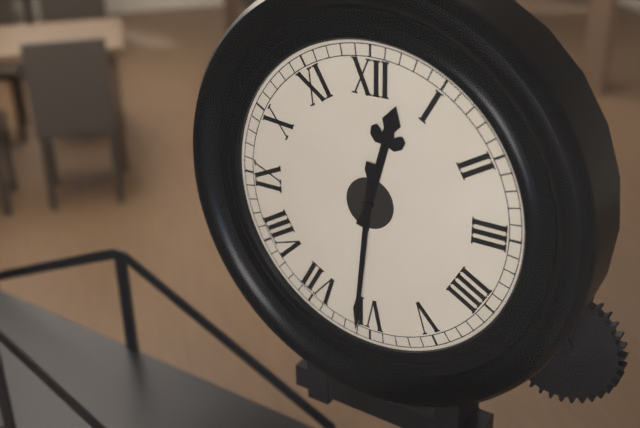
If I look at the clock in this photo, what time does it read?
12:31
